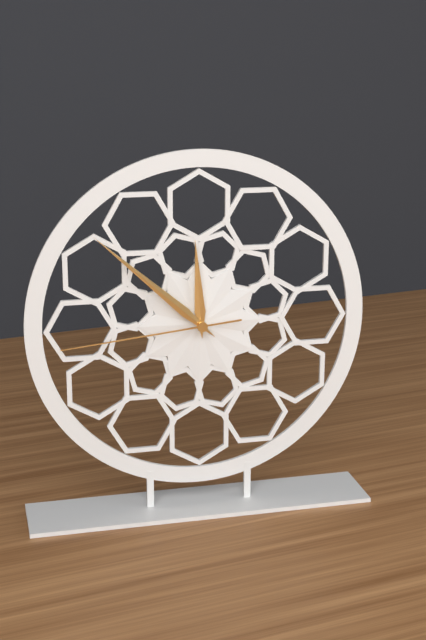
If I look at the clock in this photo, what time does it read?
11:52:44
